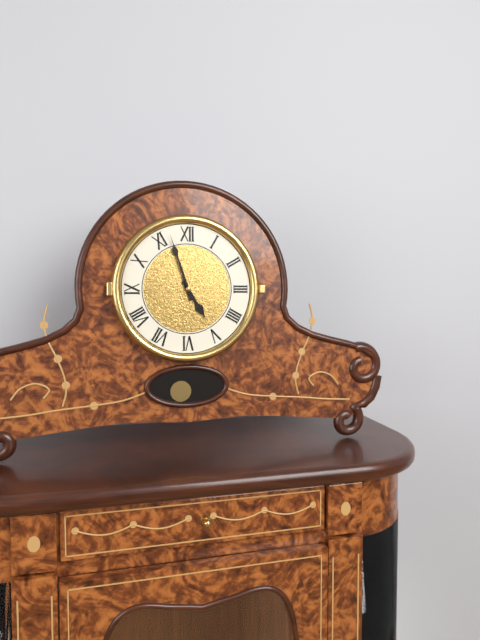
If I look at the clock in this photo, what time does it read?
4:57
